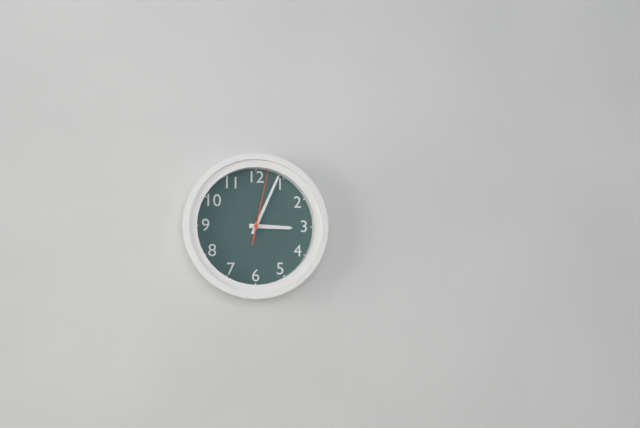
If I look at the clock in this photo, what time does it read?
3:04:02
